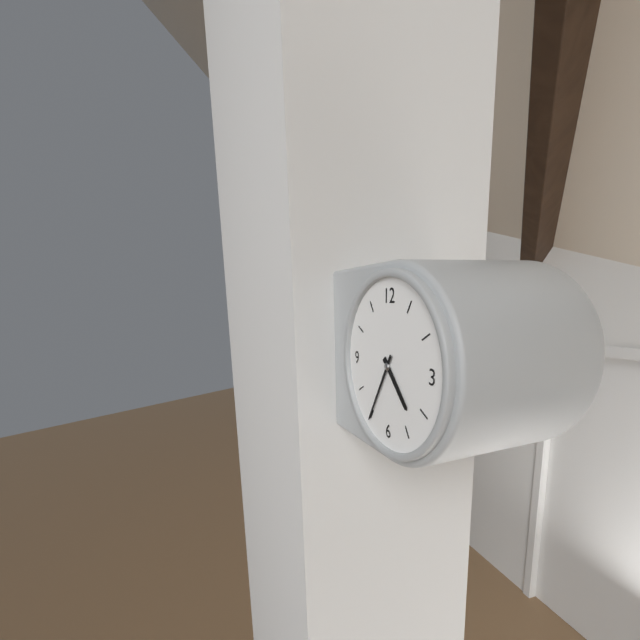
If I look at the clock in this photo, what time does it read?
4:35
